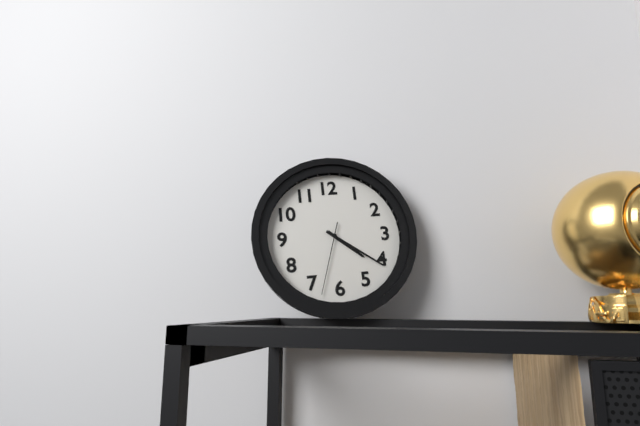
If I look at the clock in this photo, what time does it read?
4:21:33
